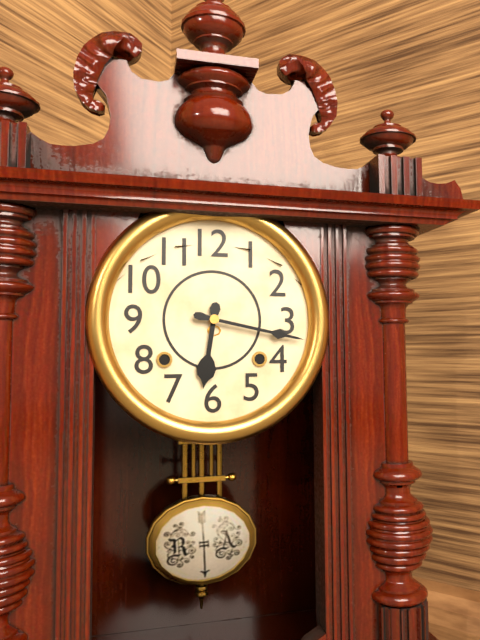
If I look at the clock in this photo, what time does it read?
6:17
